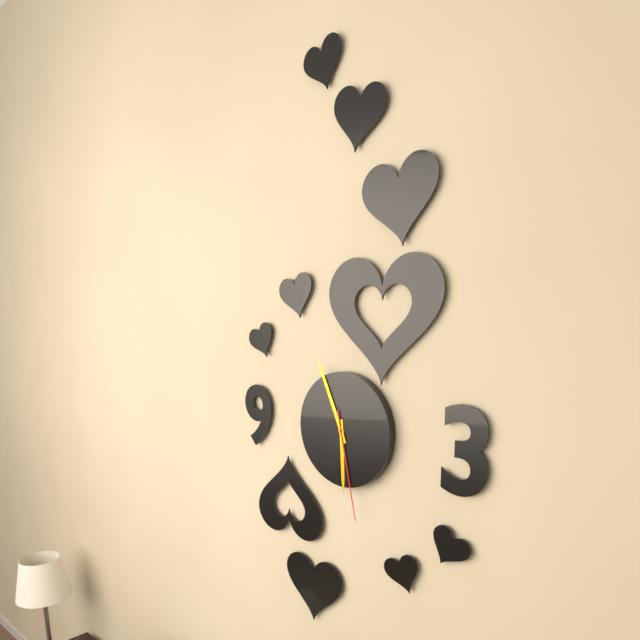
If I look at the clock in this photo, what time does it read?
5:56:28
